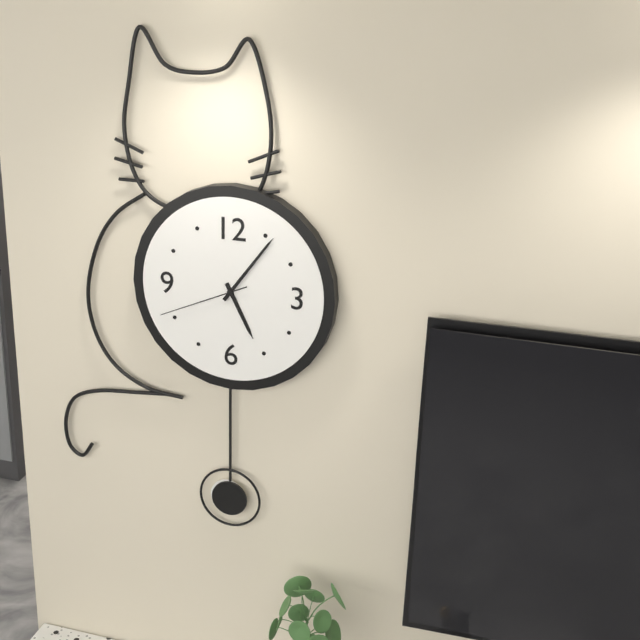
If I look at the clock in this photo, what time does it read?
5:06:41
